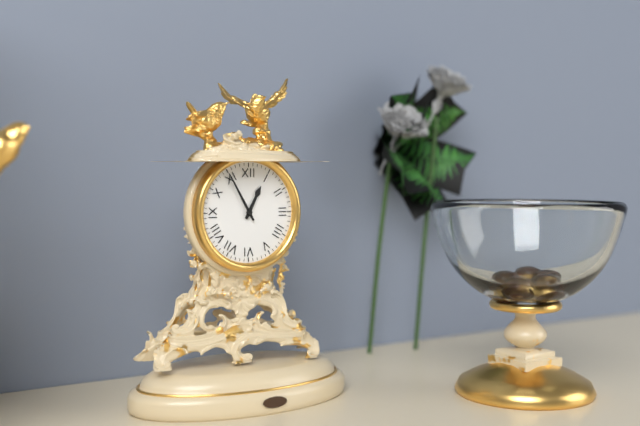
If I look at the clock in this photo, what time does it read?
12:55
